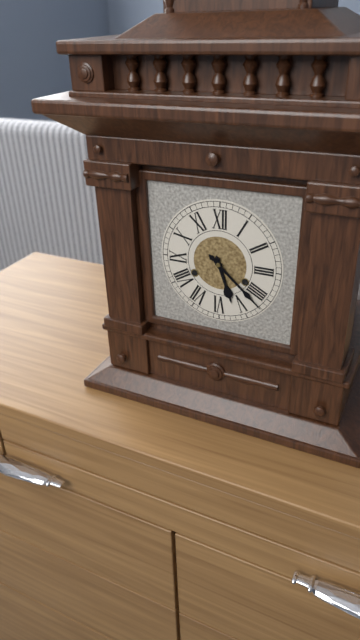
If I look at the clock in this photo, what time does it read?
5:22
